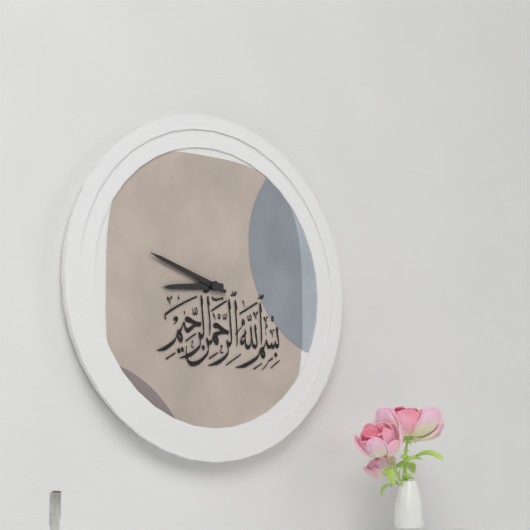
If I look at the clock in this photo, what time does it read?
8:48
